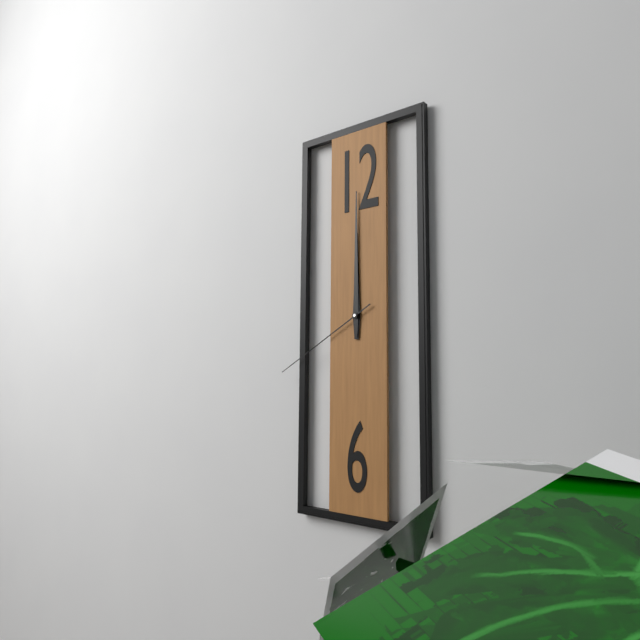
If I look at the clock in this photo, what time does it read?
12:00:40
